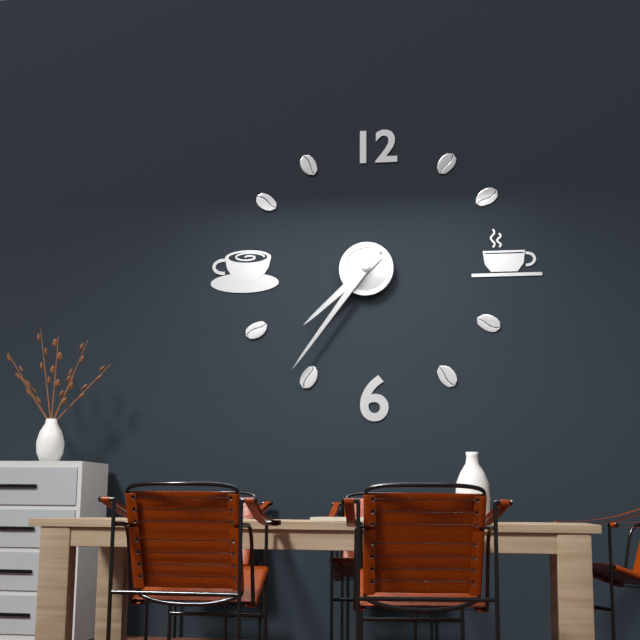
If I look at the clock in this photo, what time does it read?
7:36
